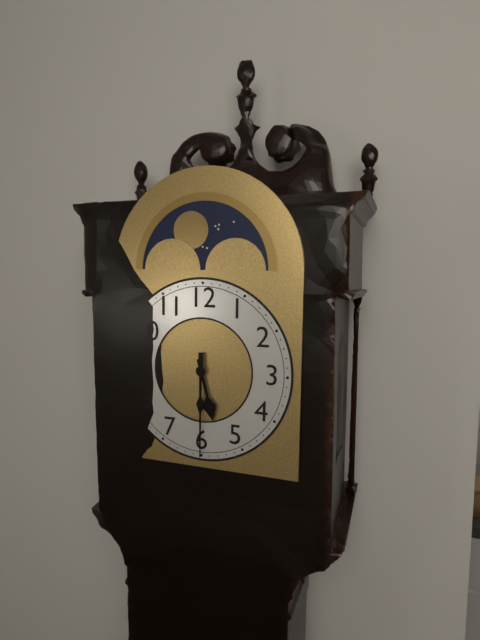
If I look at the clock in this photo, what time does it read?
5:30
